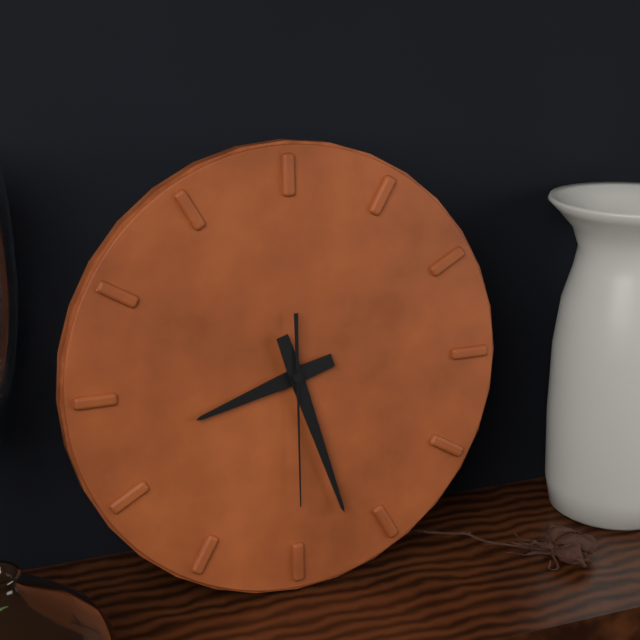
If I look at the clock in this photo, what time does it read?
8:27:30
